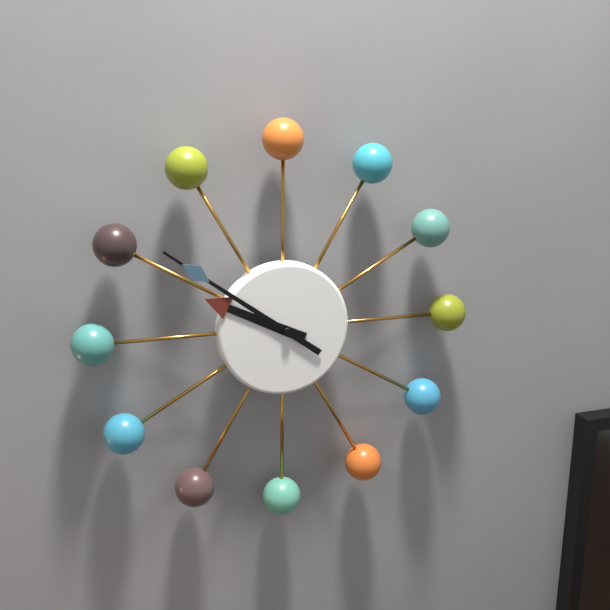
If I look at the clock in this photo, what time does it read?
9:51
